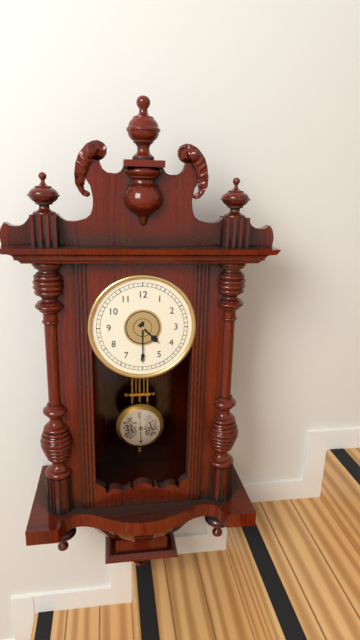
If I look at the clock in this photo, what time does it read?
4:30
